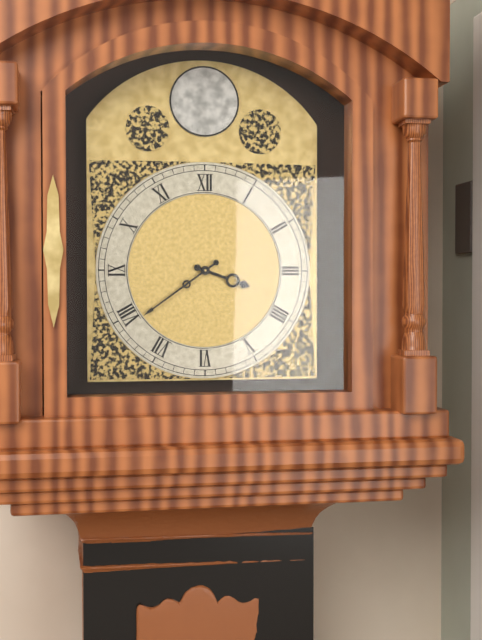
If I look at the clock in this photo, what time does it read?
3:39
